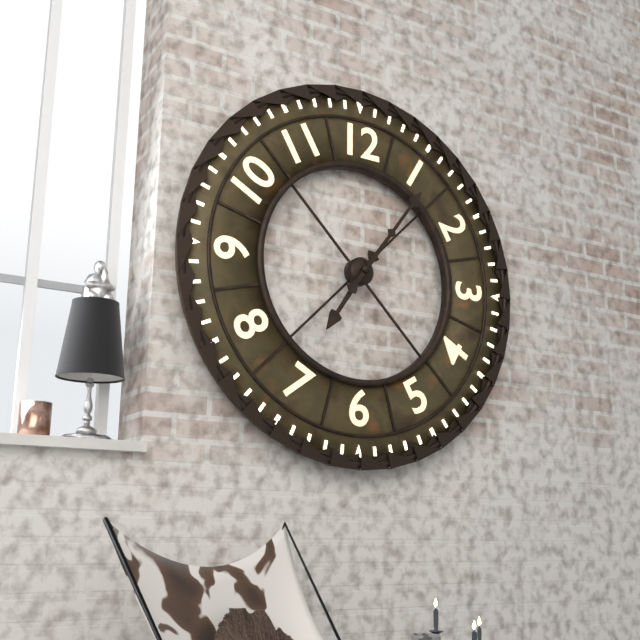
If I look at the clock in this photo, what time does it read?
7:06
